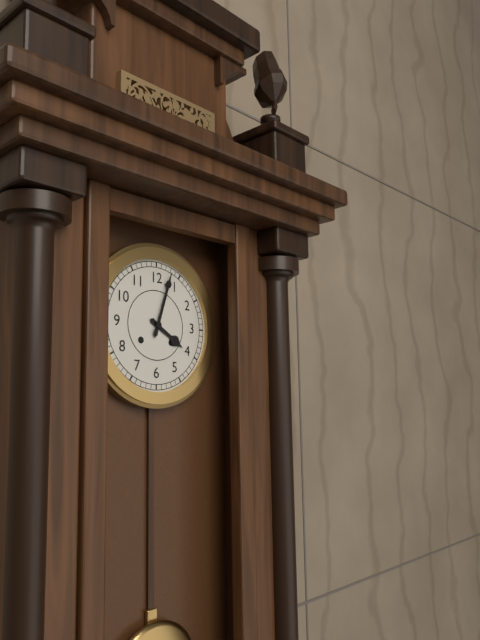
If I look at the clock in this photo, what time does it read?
4:03
